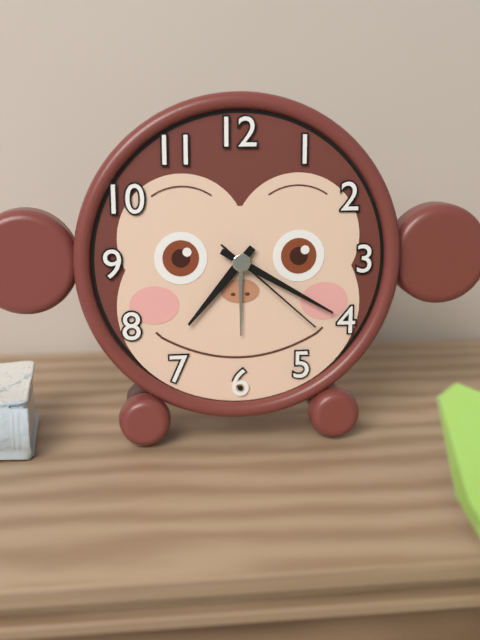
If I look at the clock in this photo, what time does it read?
7:20:22
